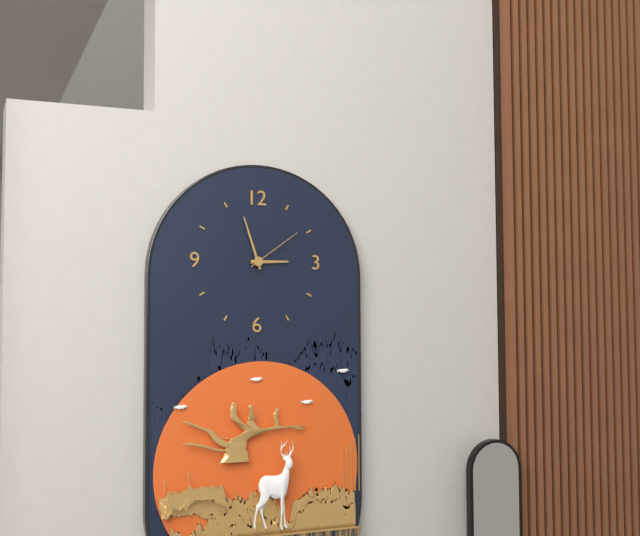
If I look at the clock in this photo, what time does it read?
2:57:09
